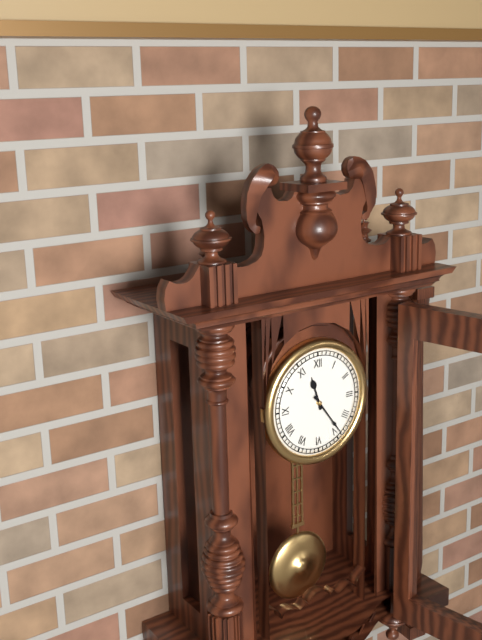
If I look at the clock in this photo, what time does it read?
11:24
